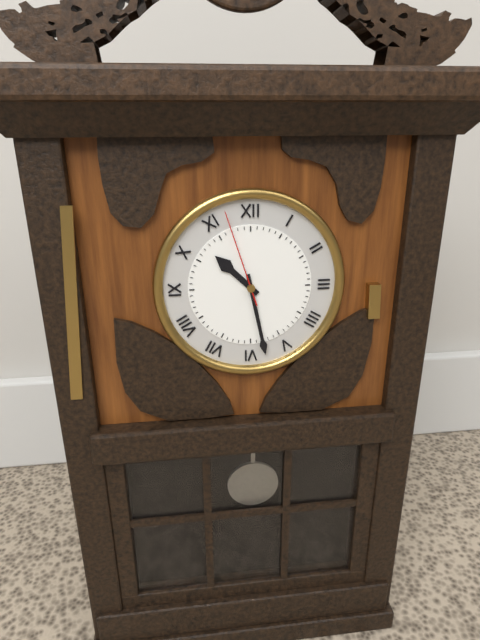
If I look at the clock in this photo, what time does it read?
10:28:57
